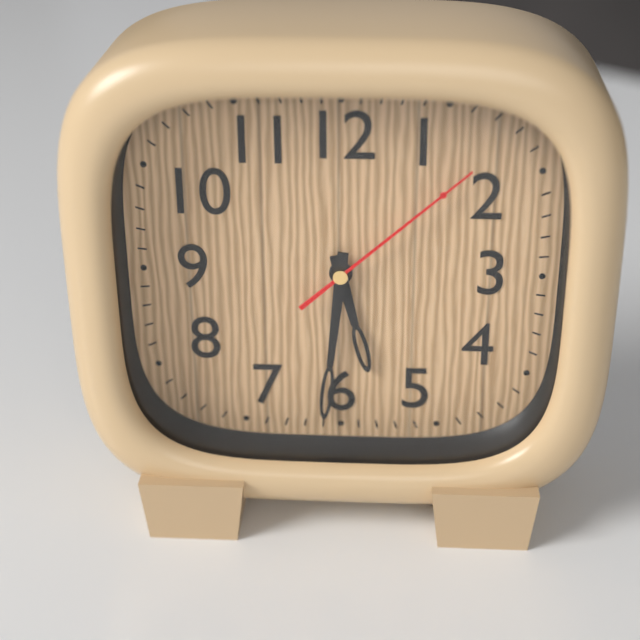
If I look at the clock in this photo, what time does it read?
5:31:08
